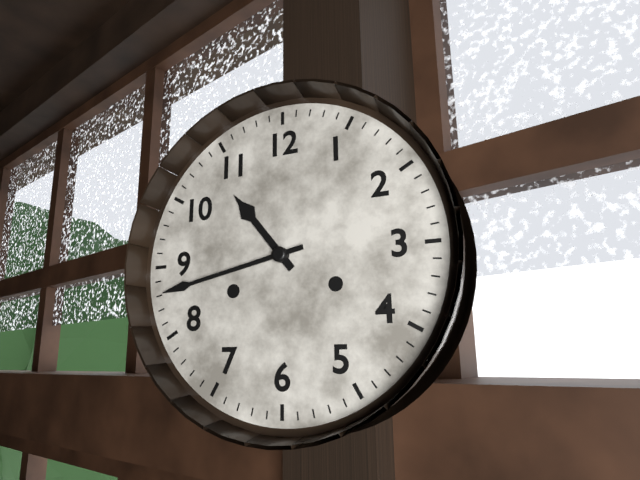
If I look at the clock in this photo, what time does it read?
10:43
